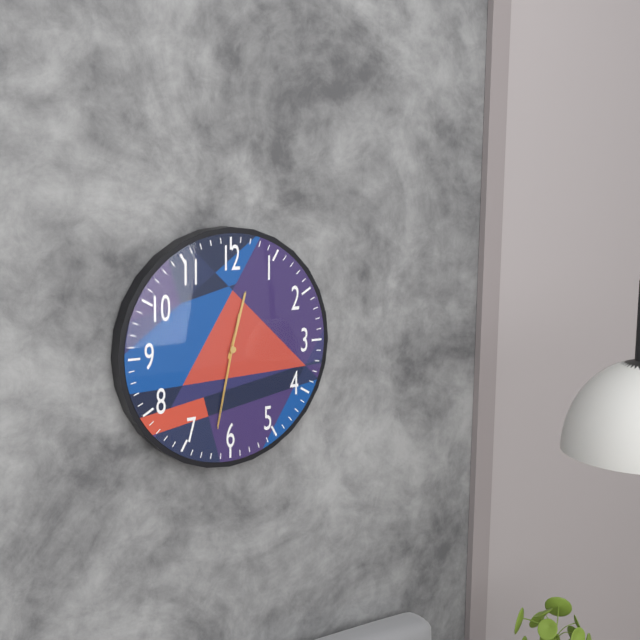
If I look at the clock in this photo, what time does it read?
12:32:32
